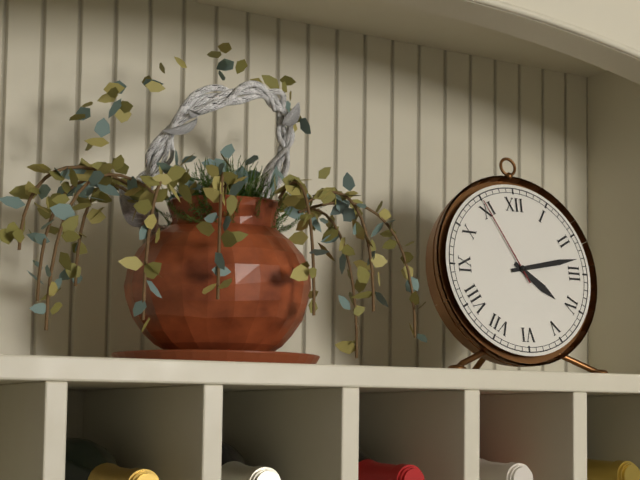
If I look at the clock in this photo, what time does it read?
4:13:55
